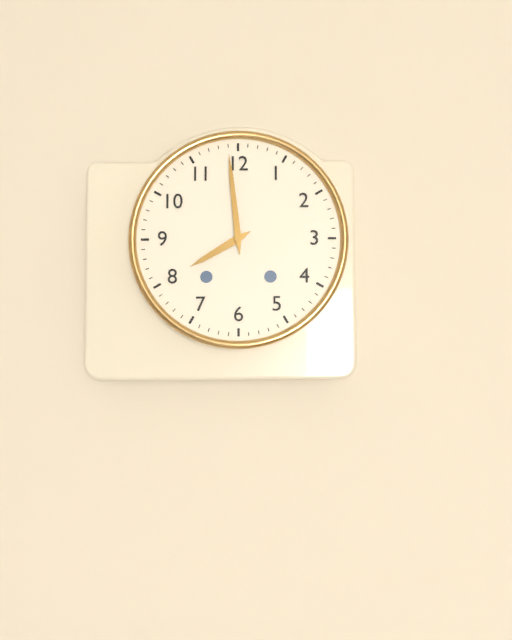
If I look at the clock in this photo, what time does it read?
7:59
